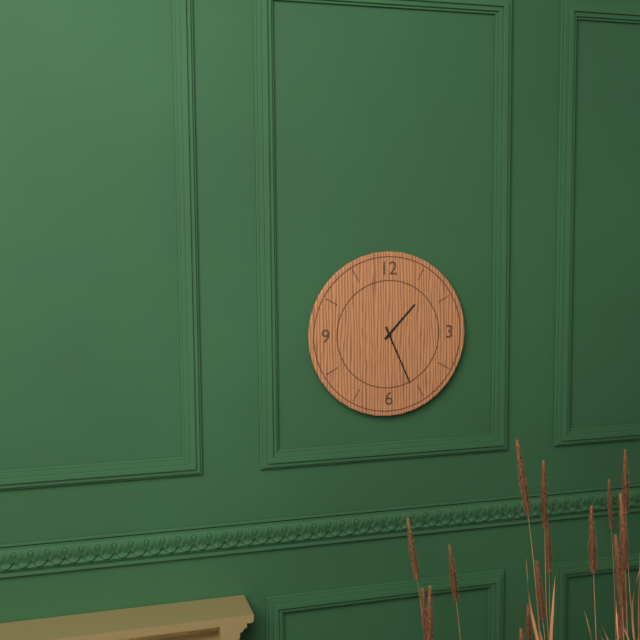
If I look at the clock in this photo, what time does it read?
1:26
